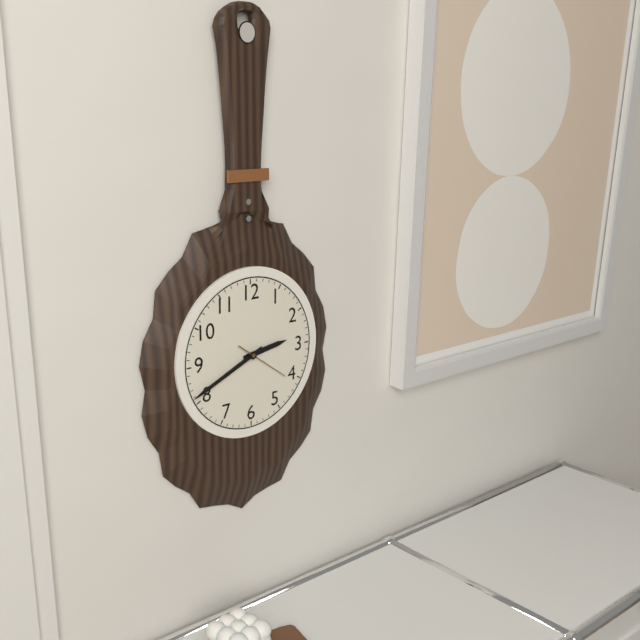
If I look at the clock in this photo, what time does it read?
2:41
